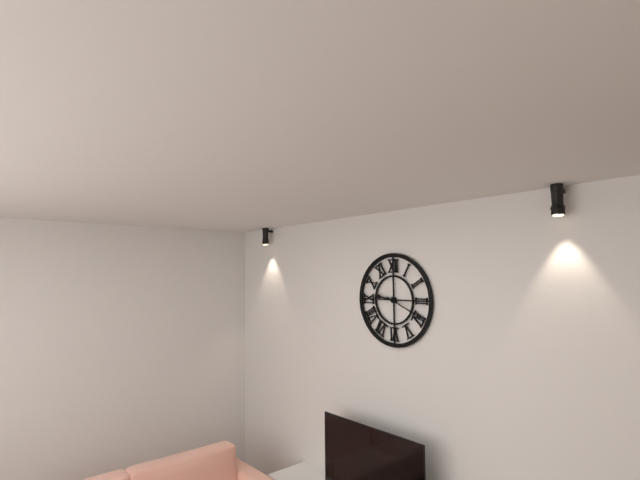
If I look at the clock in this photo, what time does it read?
9:19
